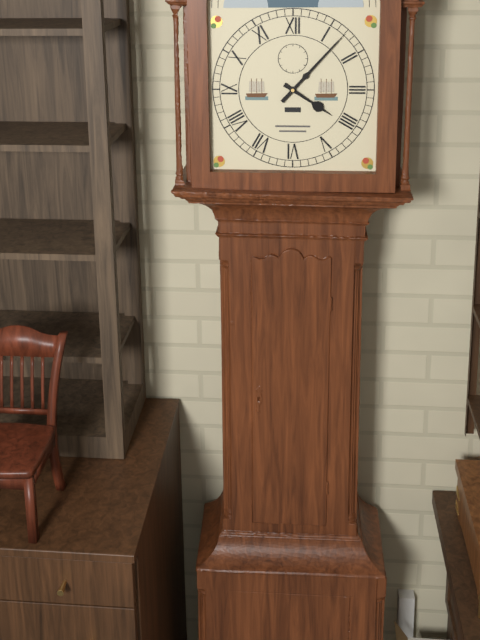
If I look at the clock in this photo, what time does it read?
4:07
